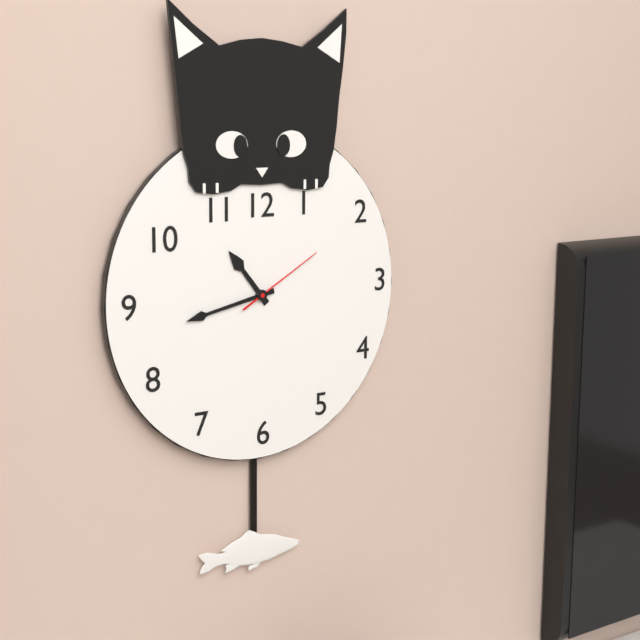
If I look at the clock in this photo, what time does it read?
10:43:10
